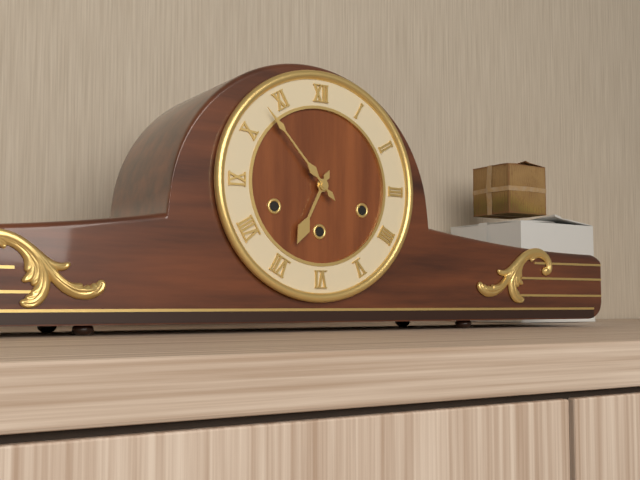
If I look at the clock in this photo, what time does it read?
6:53
